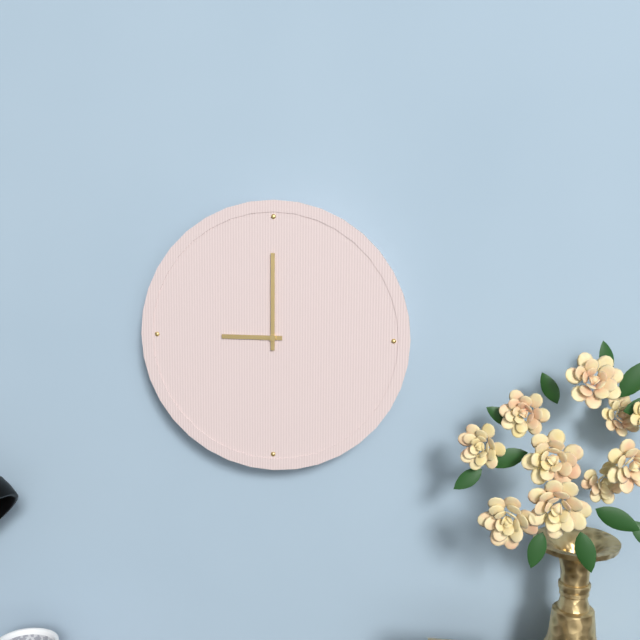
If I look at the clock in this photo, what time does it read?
9:00
